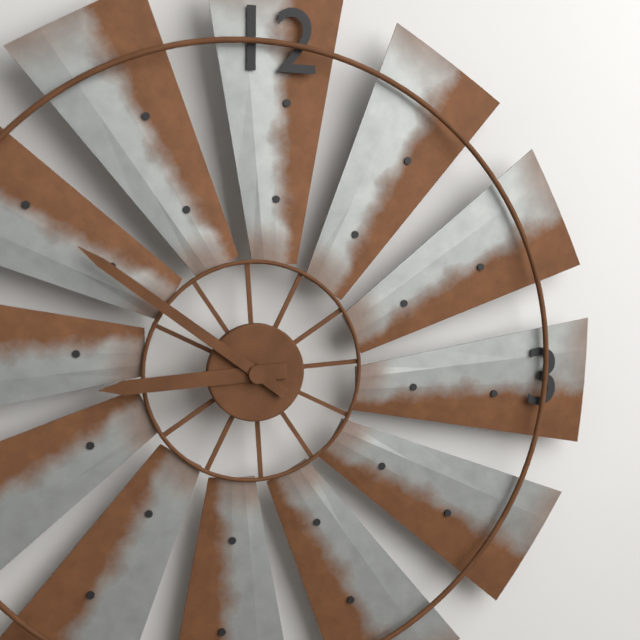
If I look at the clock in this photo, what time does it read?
8:51
